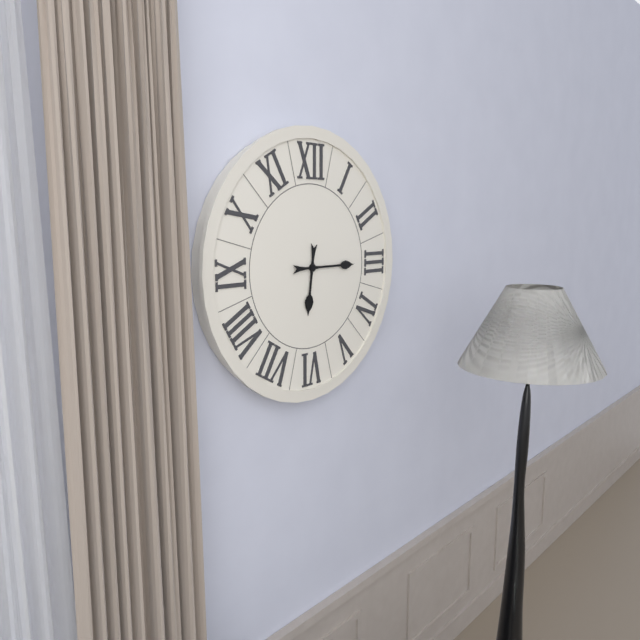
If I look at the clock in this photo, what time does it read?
6:15
